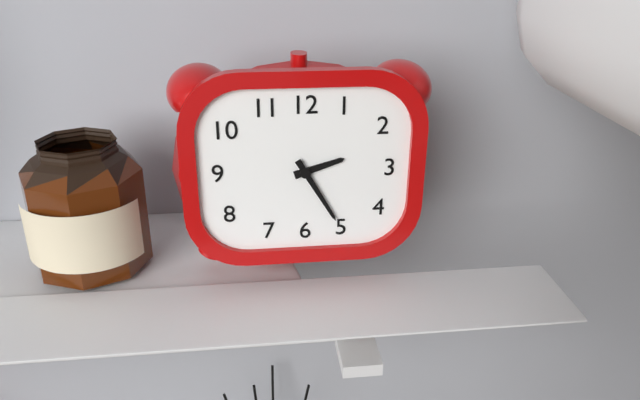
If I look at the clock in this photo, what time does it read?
2:25
